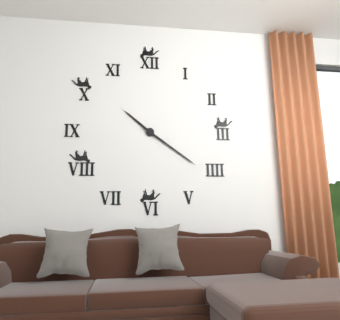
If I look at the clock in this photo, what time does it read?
10:21
